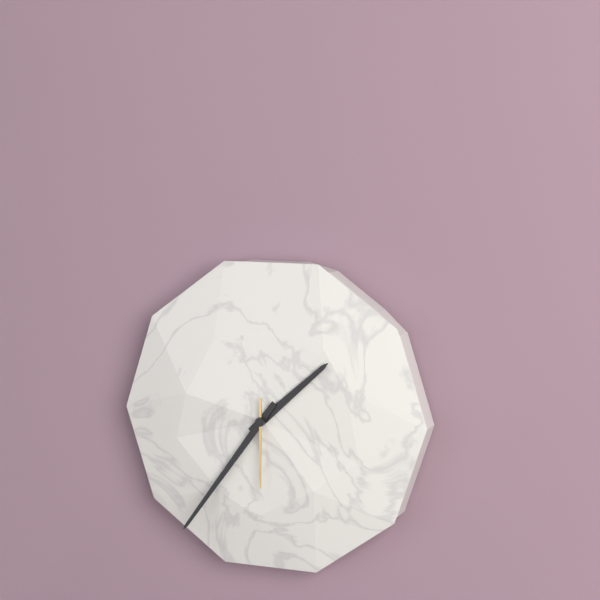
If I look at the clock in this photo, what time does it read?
1:36:30
